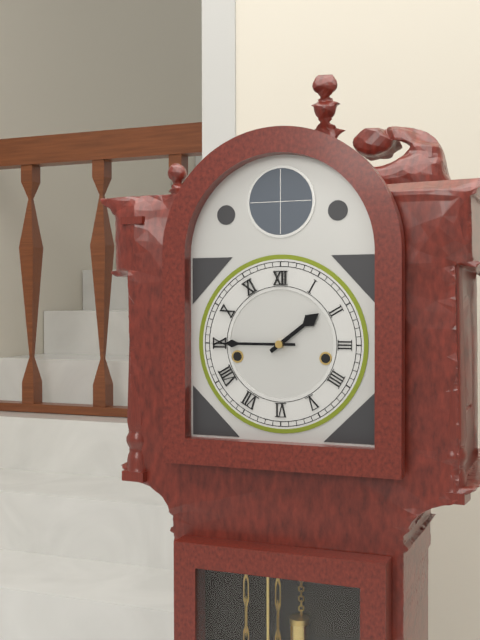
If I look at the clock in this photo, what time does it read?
1:45
